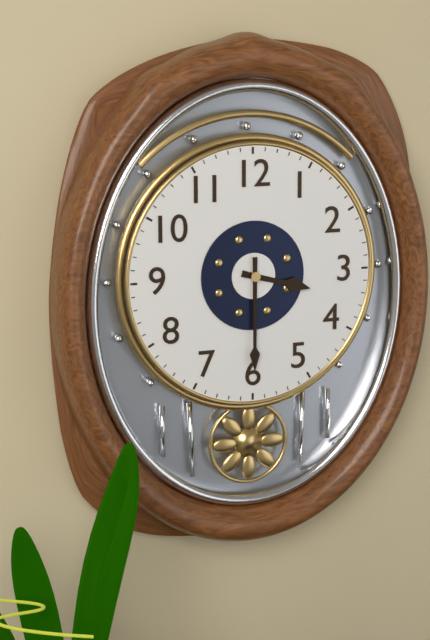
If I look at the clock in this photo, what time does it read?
3:30
